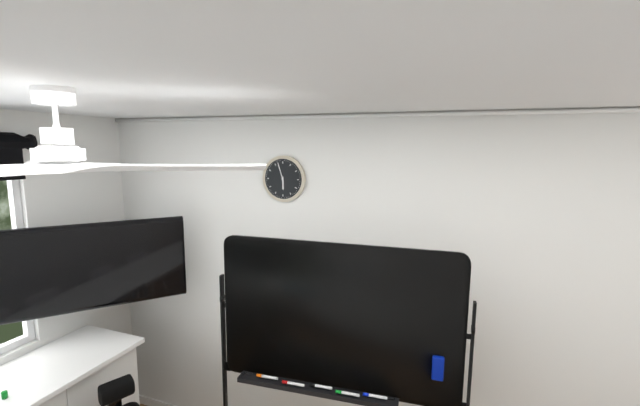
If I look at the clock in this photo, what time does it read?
5:57
